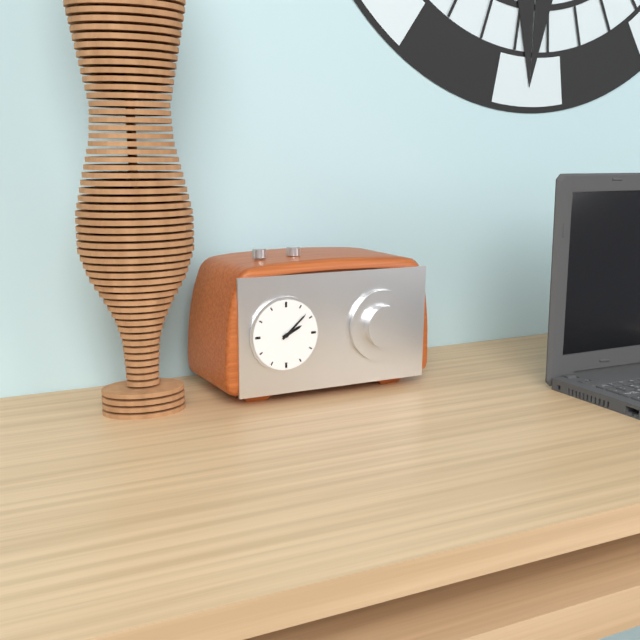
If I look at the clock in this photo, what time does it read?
2:08
